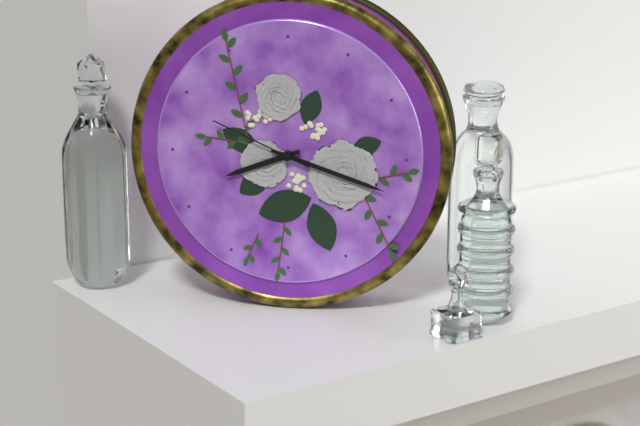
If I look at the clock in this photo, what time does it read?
8:18:49
